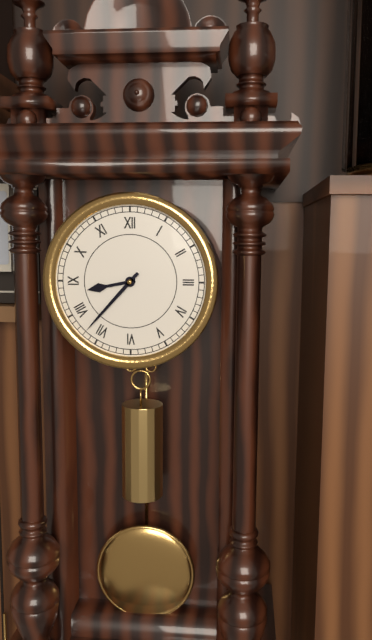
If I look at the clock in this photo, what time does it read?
8:37
